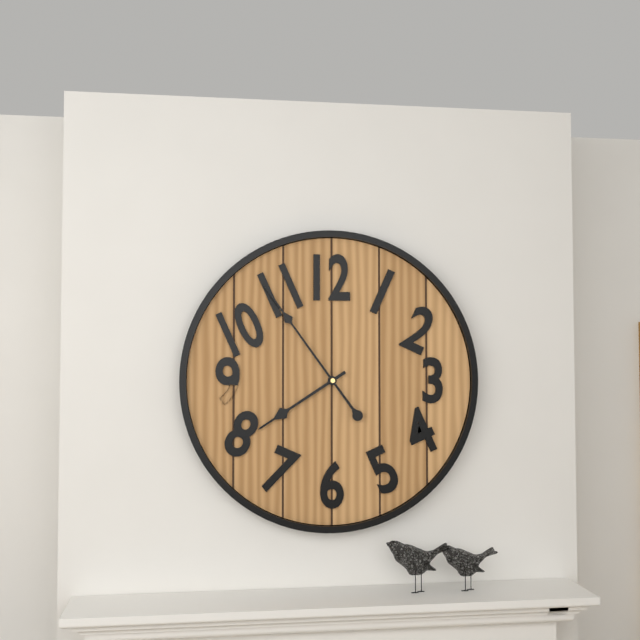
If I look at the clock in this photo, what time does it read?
7:54
